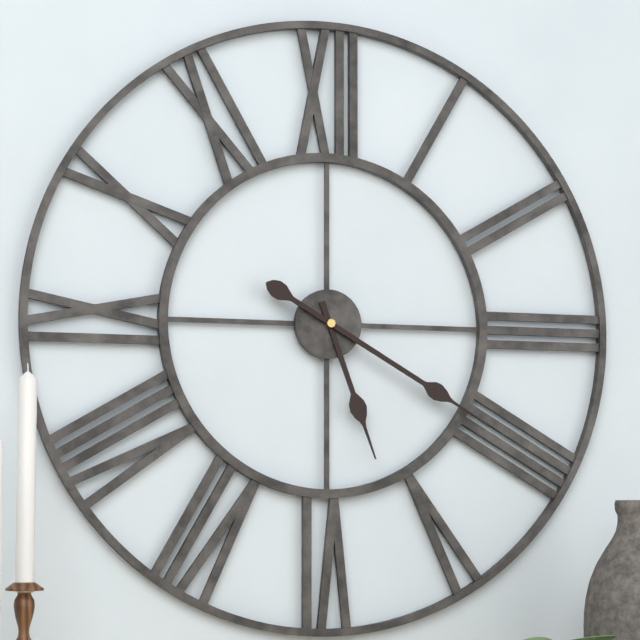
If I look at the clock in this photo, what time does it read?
5:20
